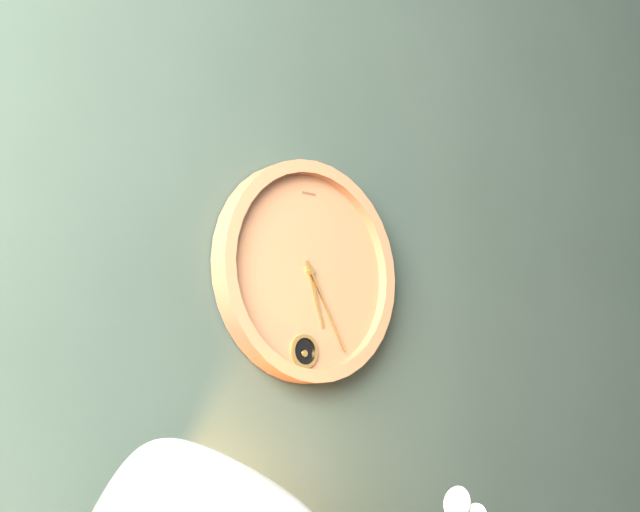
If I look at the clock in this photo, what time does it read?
5:25
